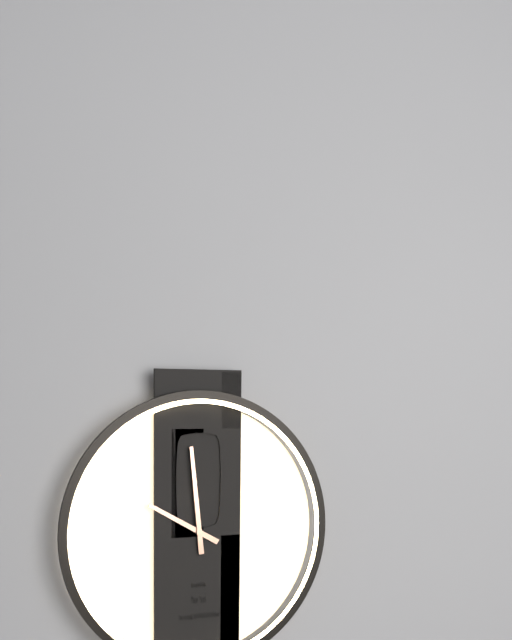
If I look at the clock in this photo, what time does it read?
9:59
